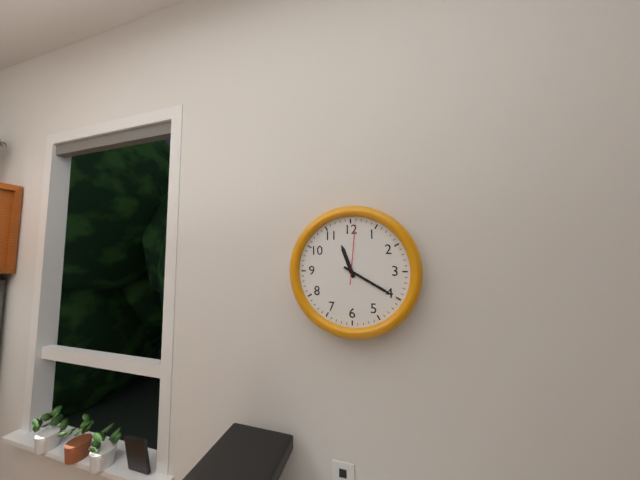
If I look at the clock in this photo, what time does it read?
11:20:01
